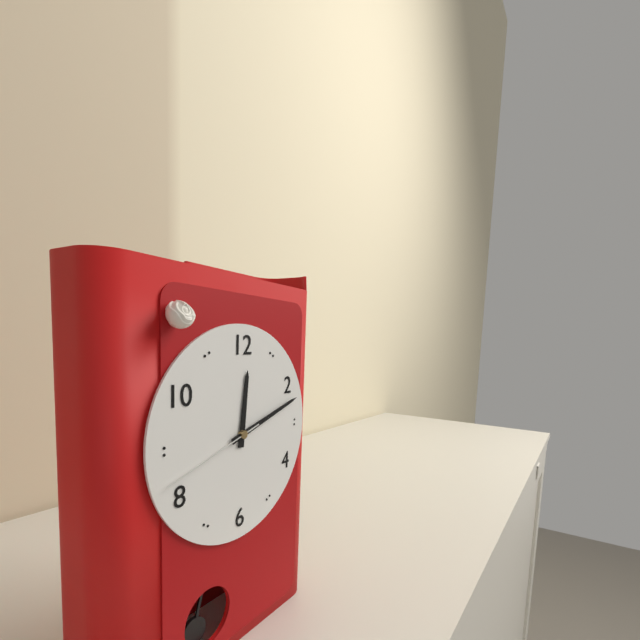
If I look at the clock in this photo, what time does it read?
12:12:42
